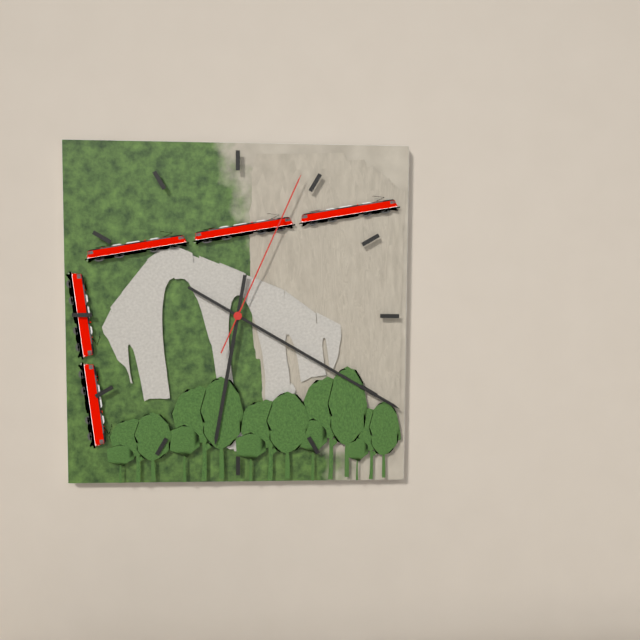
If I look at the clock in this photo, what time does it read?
6:20:04
